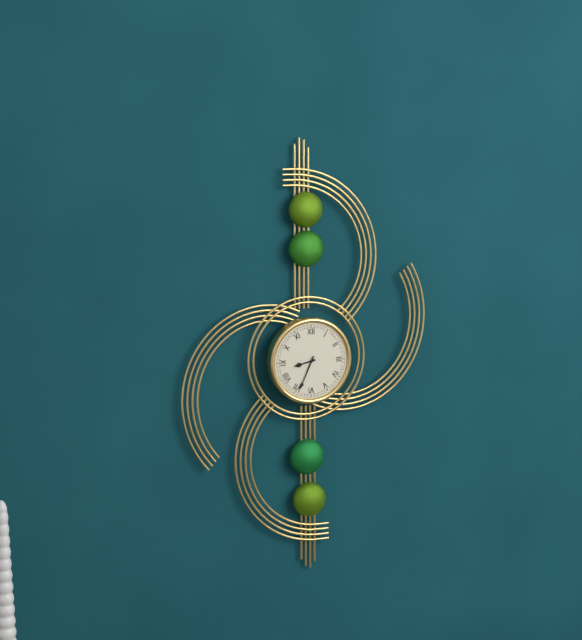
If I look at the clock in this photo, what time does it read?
8:34
